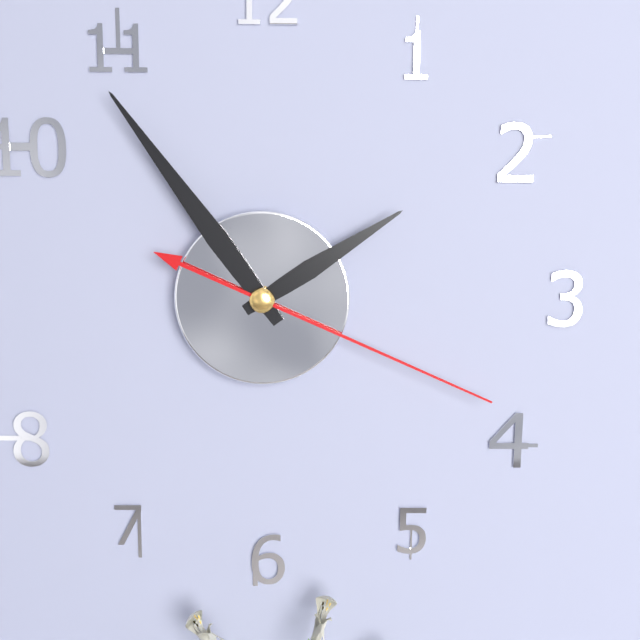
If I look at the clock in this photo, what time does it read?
1:54:19
